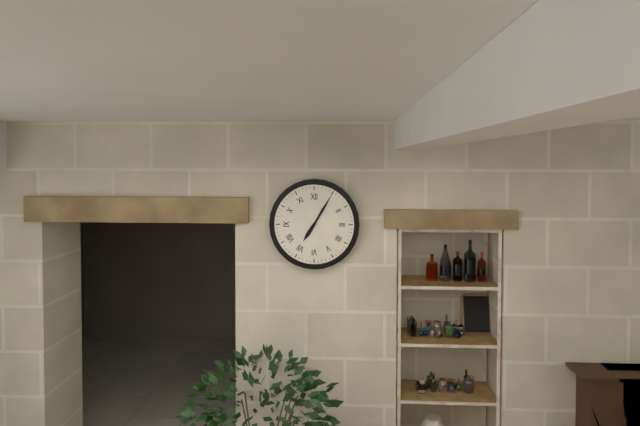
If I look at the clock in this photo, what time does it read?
7:05
